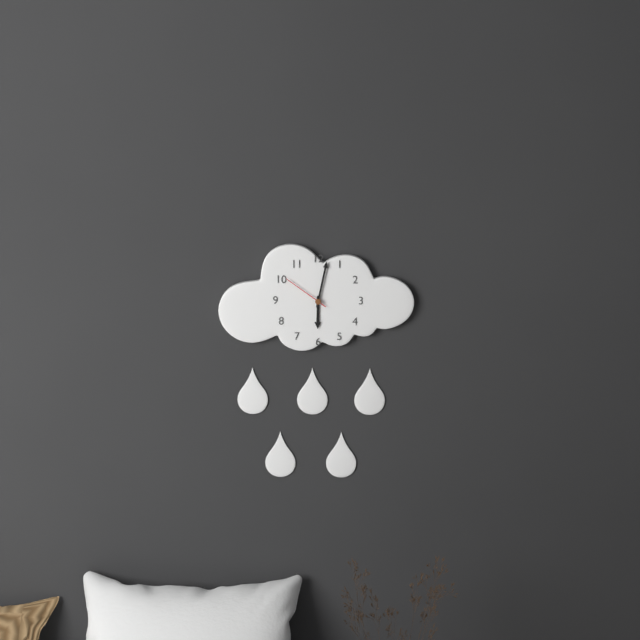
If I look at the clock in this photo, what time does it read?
6:02
